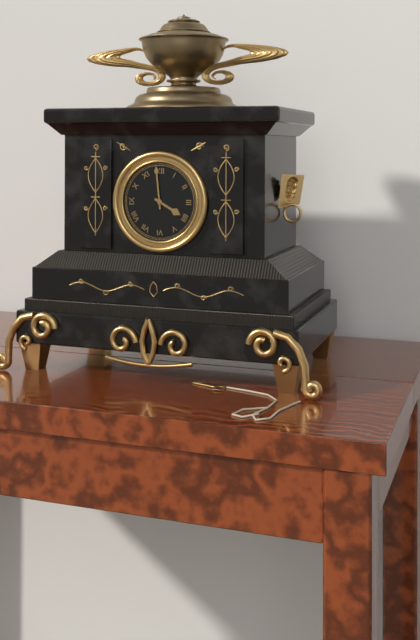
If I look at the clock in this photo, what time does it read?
3:59
